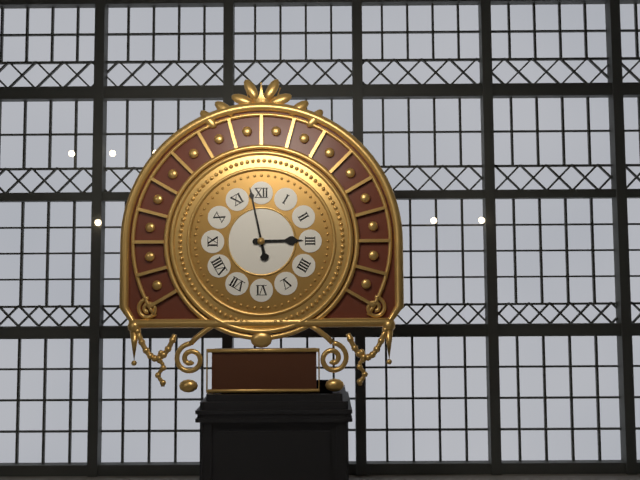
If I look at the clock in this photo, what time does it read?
2:58
